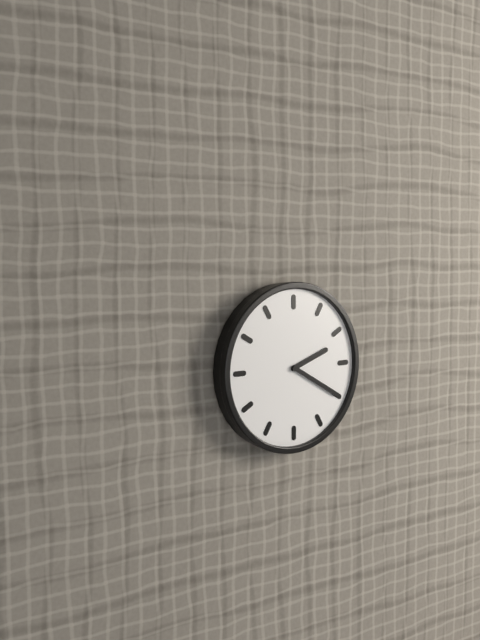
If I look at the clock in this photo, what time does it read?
2:20
